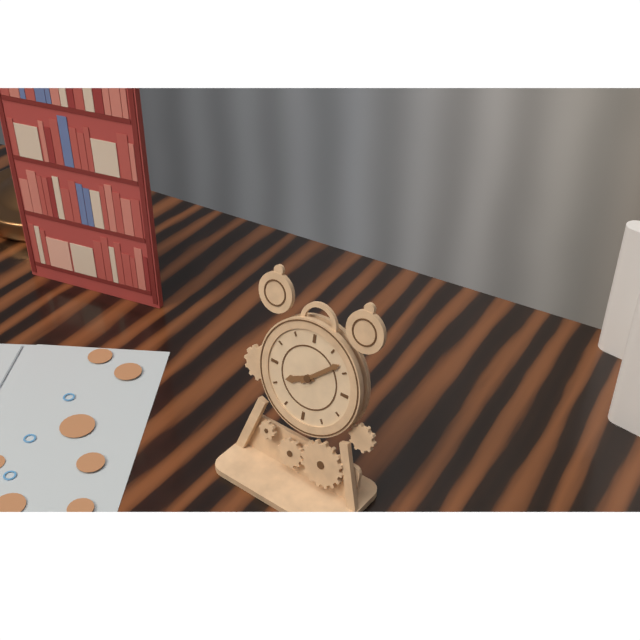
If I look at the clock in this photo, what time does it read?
8:08
